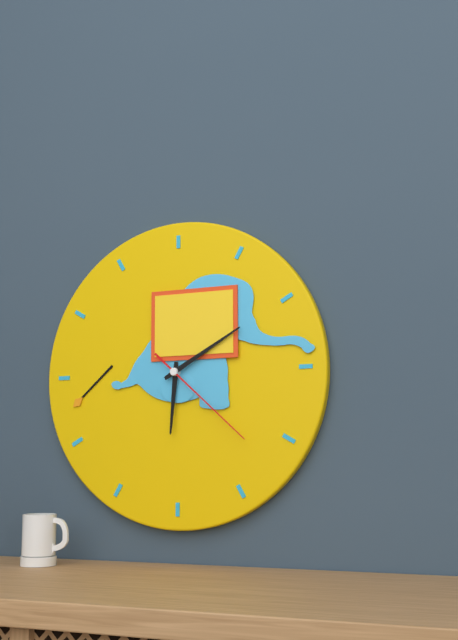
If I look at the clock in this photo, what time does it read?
6:10:22
